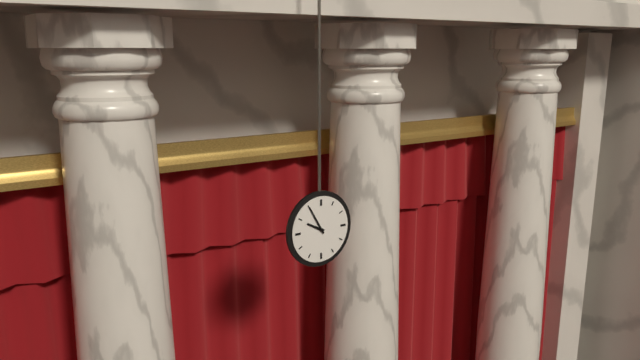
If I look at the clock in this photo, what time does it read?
9:55
